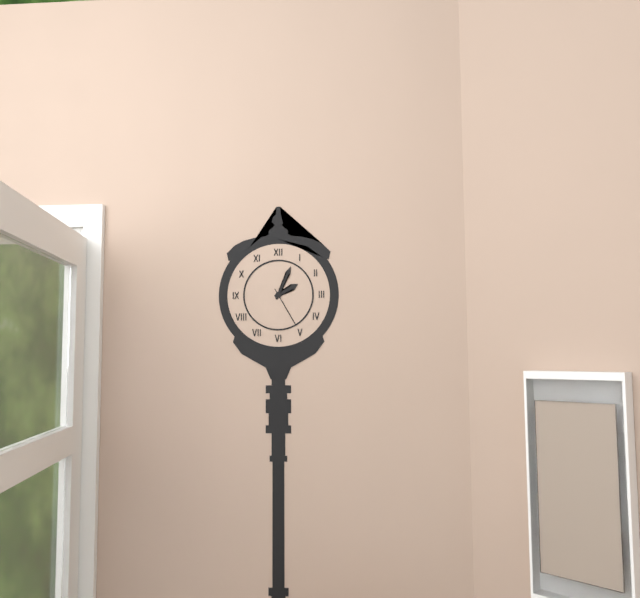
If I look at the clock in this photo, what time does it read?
2:04
